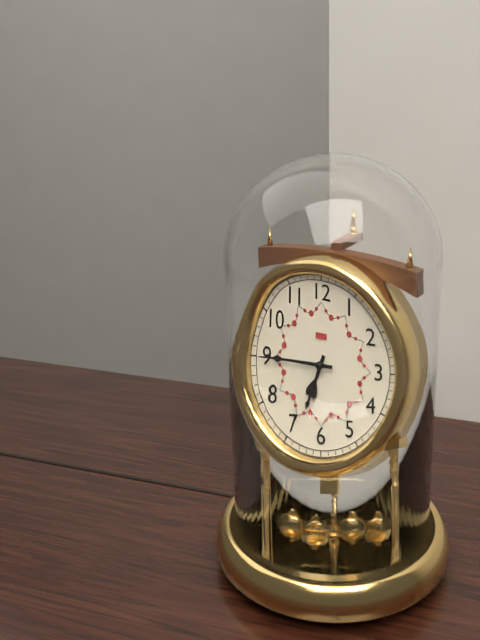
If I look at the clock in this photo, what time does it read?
6:45
